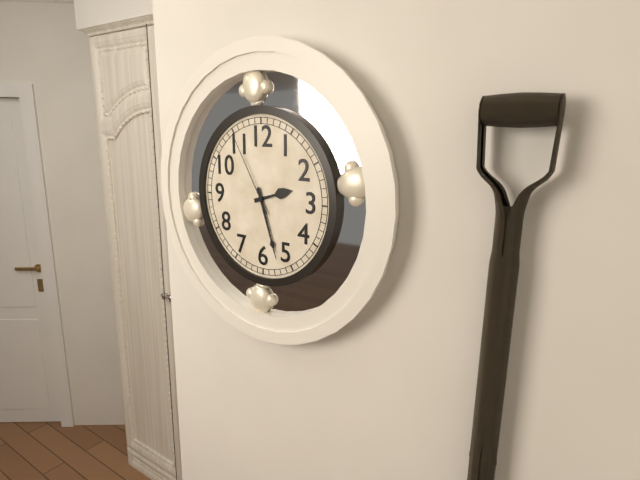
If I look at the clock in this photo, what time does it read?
2:27:55
